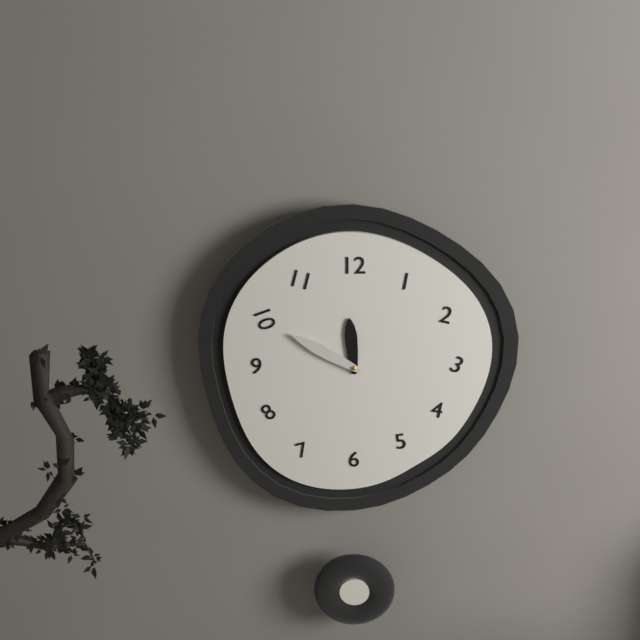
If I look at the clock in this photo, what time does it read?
11:50
